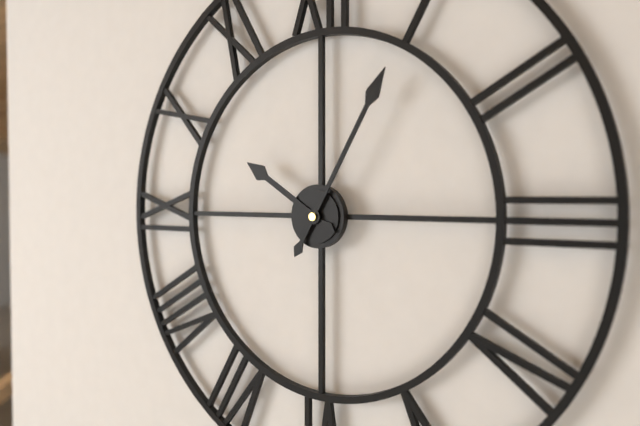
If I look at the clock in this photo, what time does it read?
10:05
